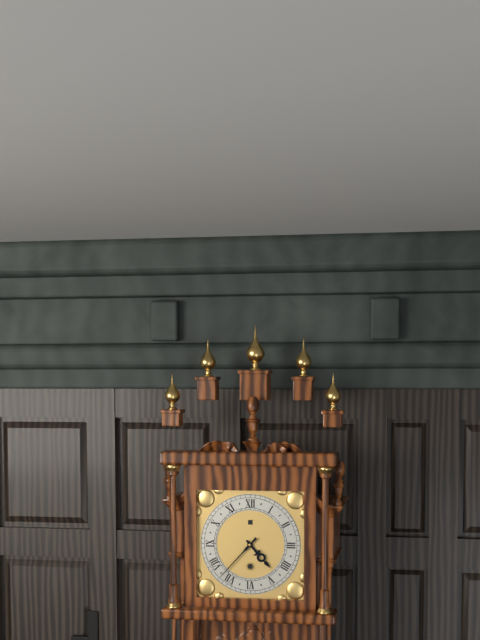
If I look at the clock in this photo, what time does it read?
4:37
